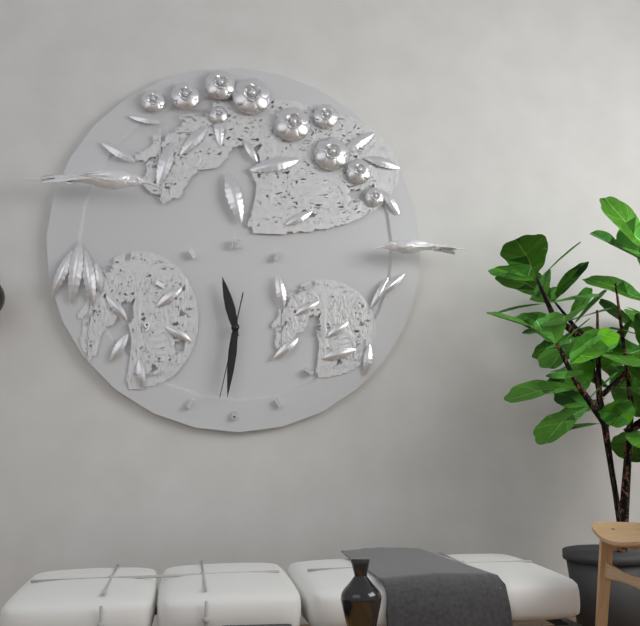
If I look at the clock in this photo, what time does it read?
11:31:32
